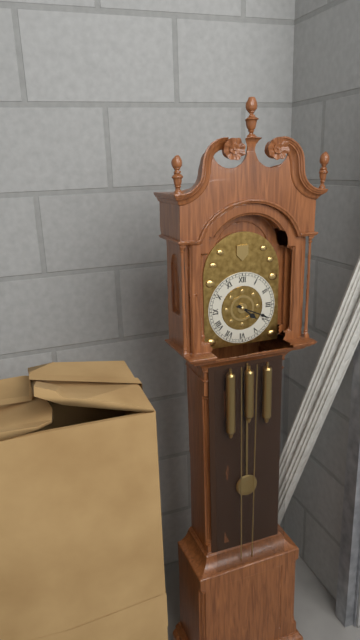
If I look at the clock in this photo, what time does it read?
4:19
